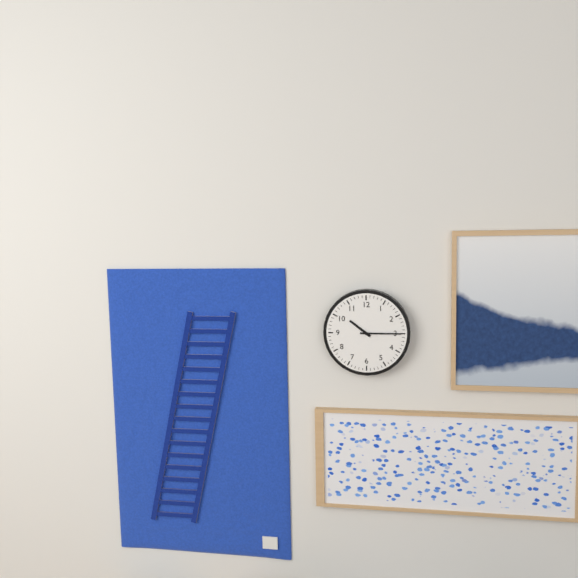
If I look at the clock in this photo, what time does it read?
10:15
